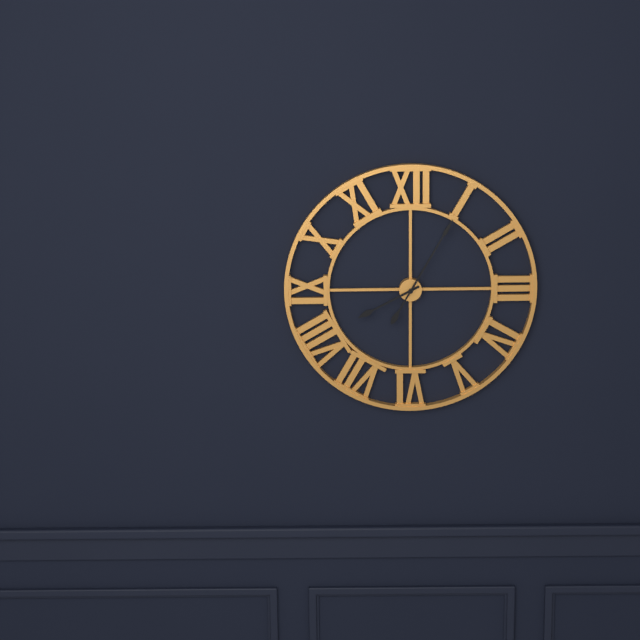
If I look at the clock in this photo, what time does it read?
8:05
